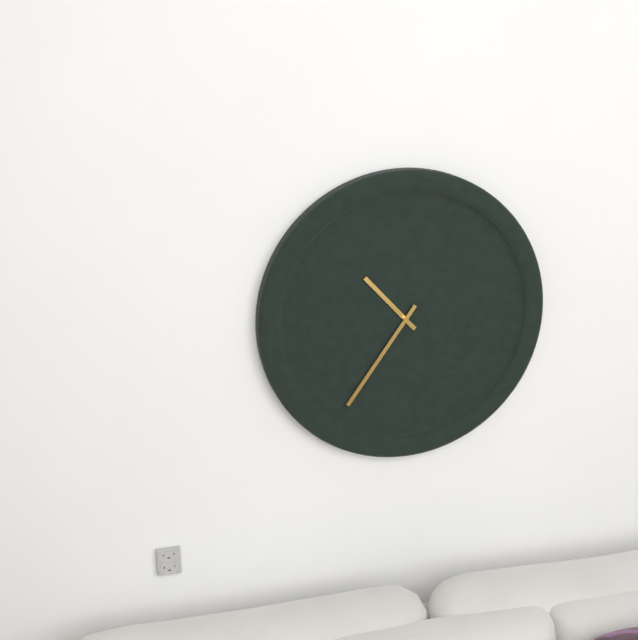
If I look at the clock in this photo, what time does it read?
10:36
